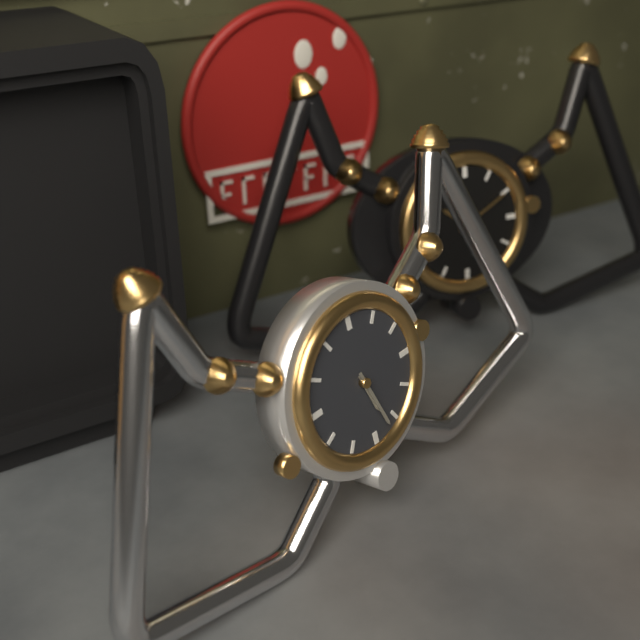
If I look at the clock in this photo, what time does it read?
5:27
